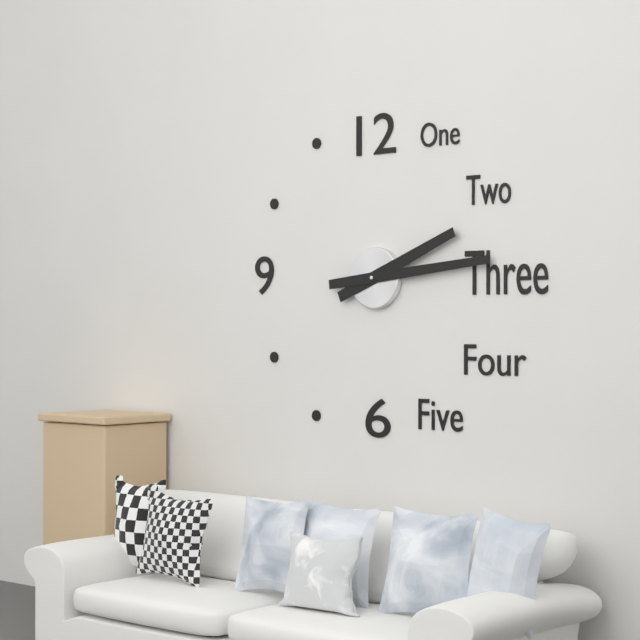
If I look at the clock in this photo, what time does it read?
2:14
